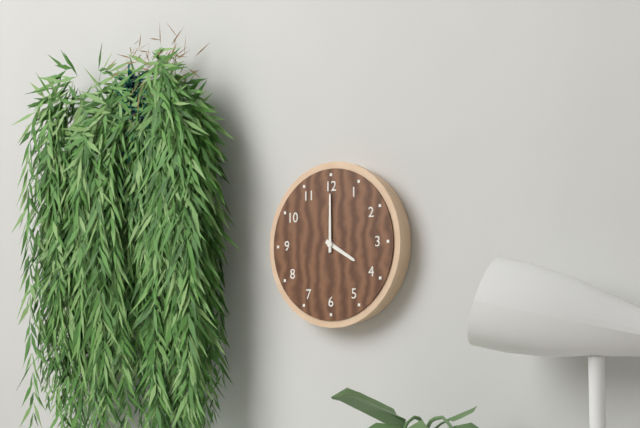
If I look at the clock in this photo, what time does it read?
4:00
